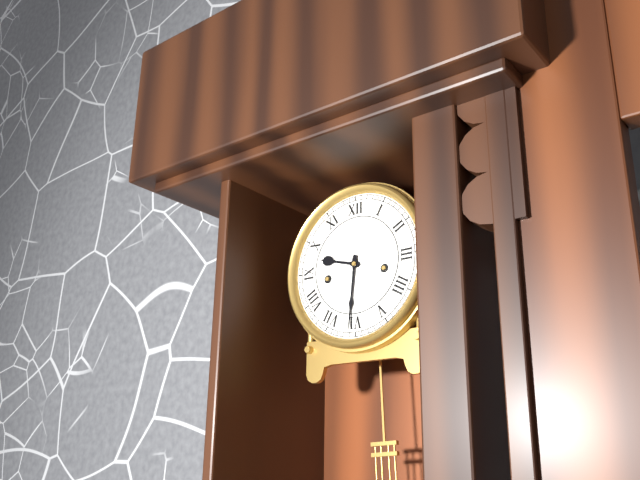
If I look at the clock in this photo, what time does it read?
9:31
